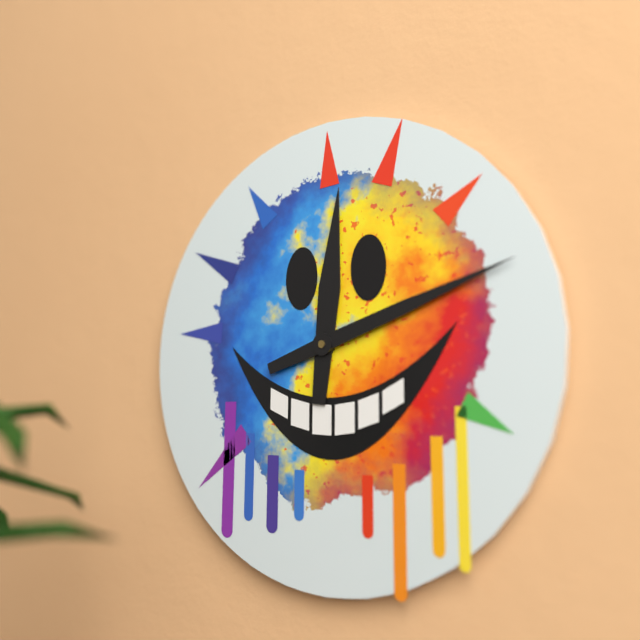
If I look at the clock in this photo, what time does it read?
12:12
